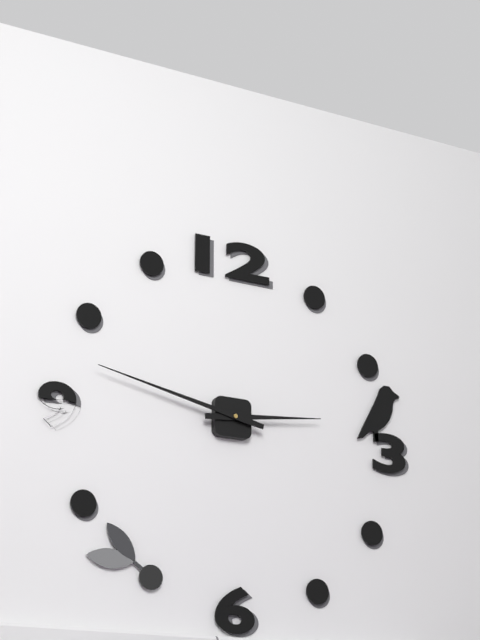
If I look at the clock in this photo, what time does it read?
2:47
